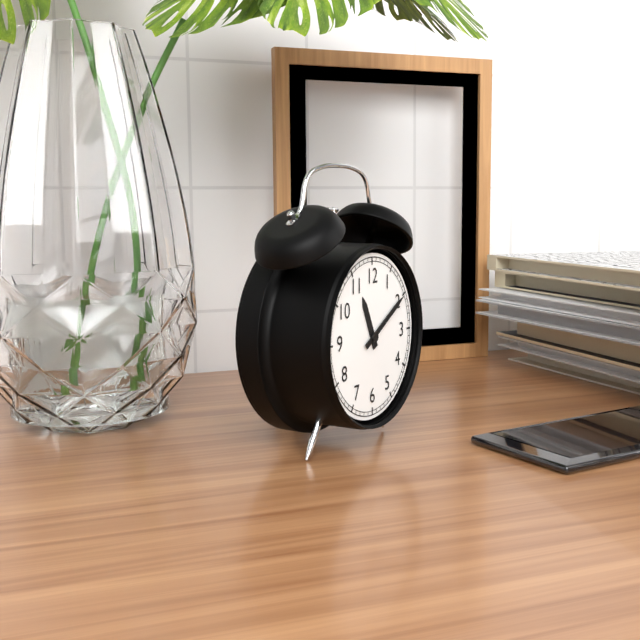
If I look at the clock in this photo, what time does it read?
11:10
